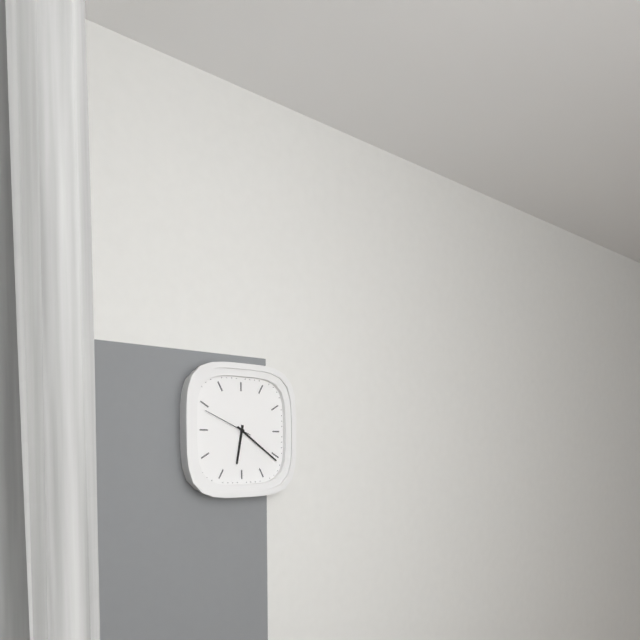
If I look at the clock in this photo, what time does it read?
6:21:49
